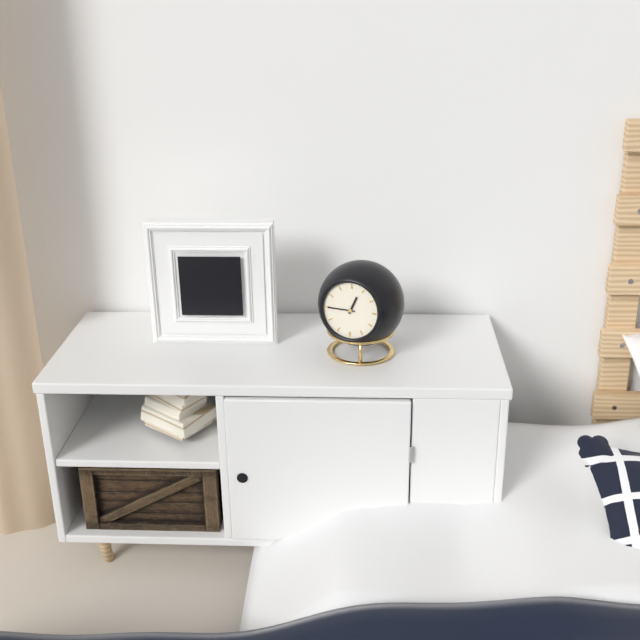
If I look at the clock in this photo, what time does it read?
12:45
